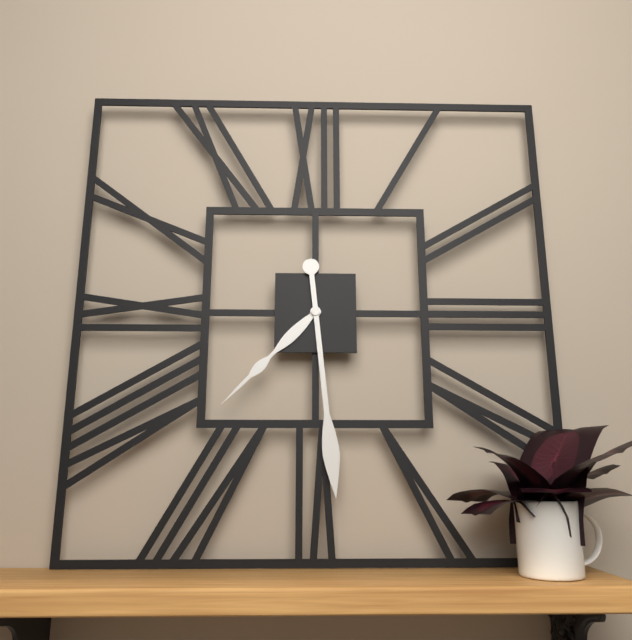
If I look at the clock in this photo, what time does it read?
7:29
